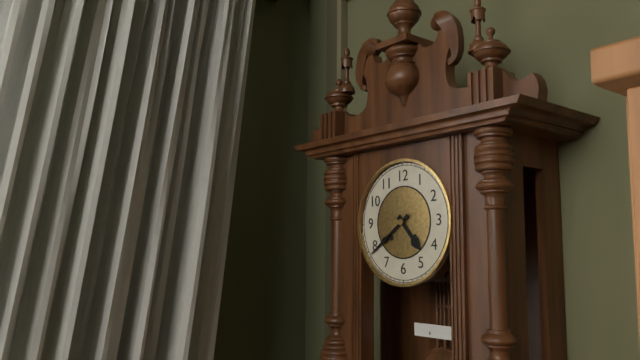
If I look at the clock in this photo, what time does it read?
4:39
